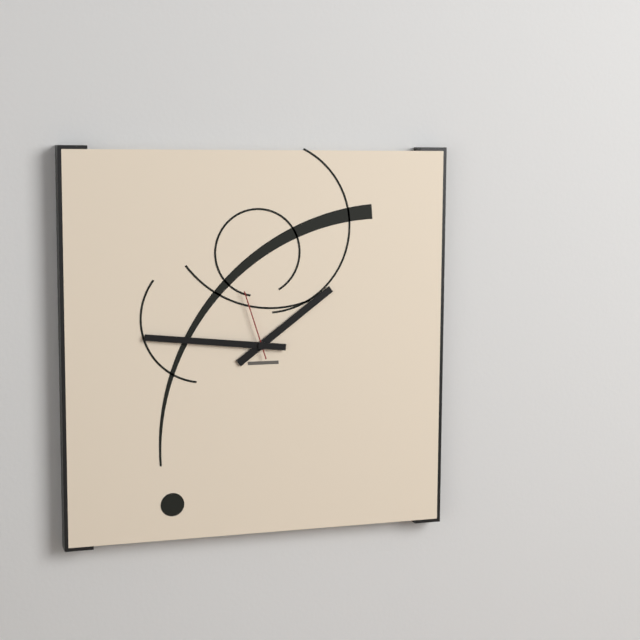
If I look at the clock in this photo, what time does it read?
1:46:57
